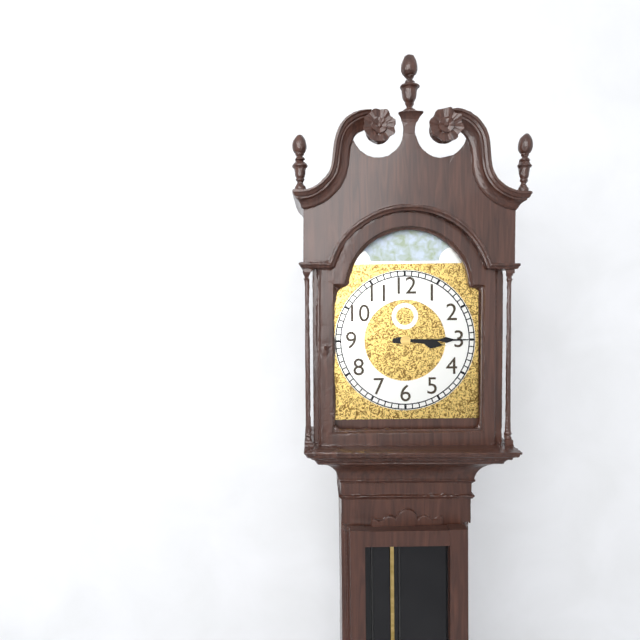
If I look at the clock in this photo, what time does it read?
3:15
